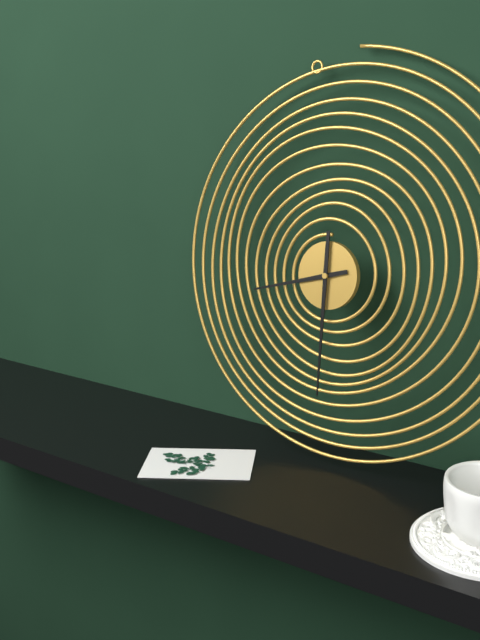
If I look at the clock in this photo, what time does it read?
8:30
